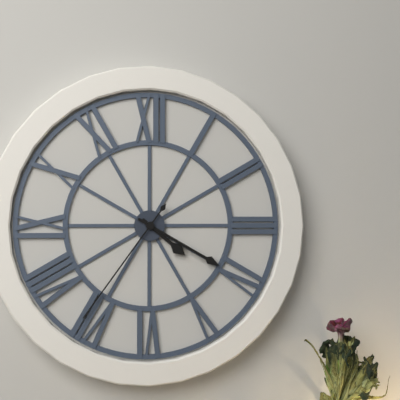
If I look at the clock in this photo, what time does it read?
4:20:36
